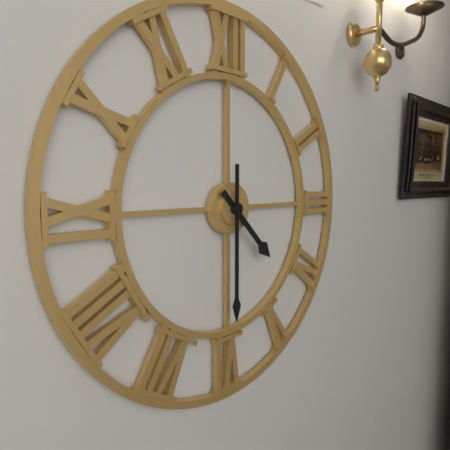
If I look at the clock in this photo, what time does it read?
4:30
